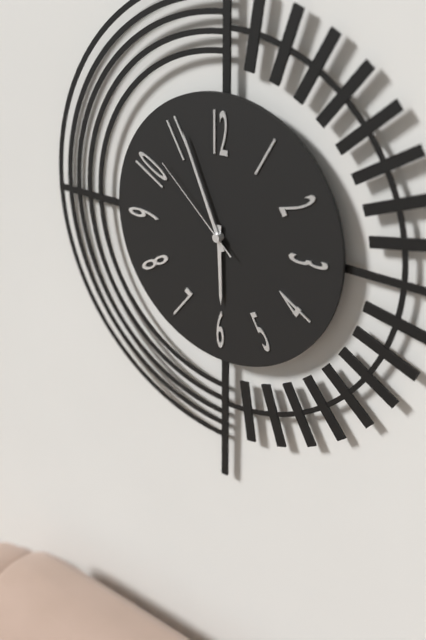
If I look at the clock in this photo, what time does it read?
5:56:52
